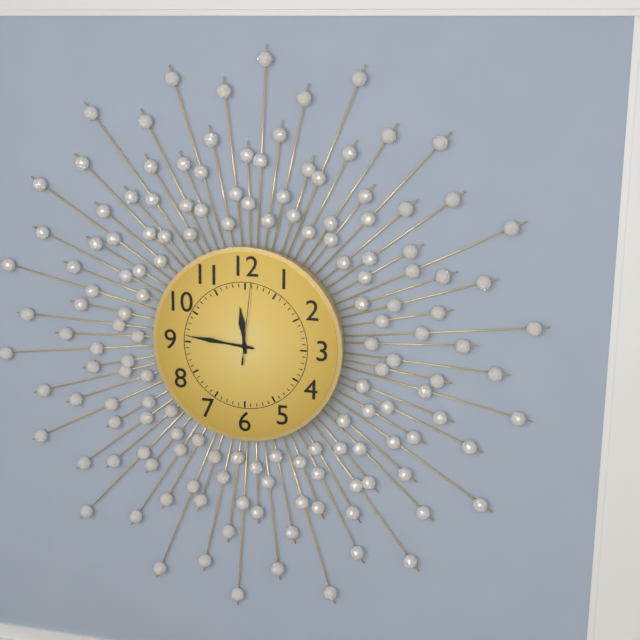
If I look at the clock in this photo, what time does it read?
11:46:01
